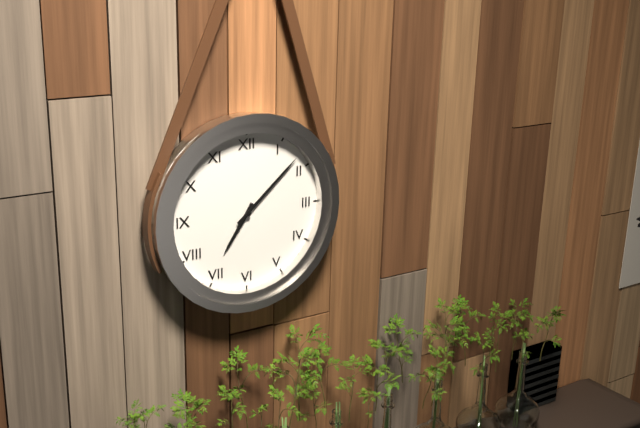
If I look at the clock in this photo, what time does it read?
7:08
